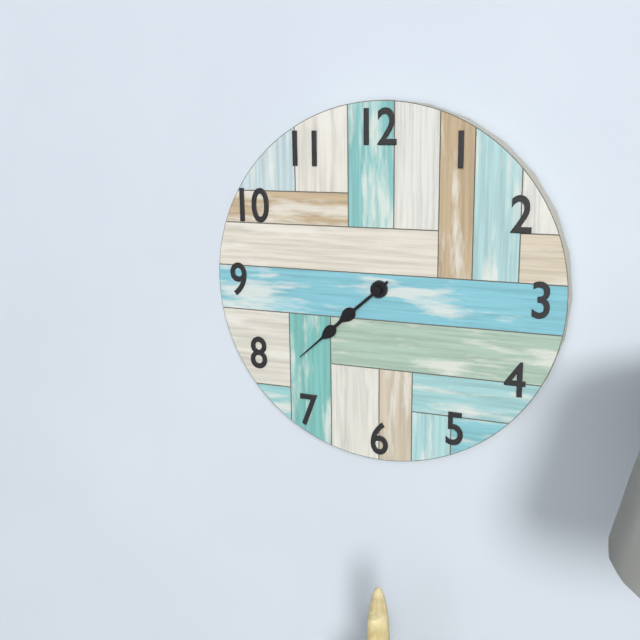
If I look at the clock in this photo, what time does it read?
7:38
